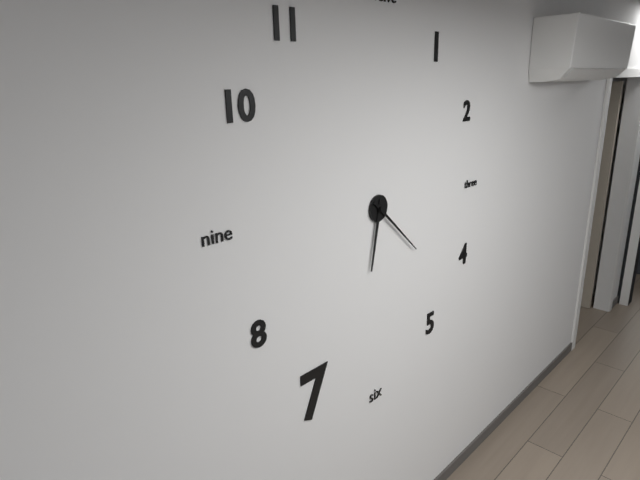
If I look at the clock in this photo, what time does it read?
6:22
